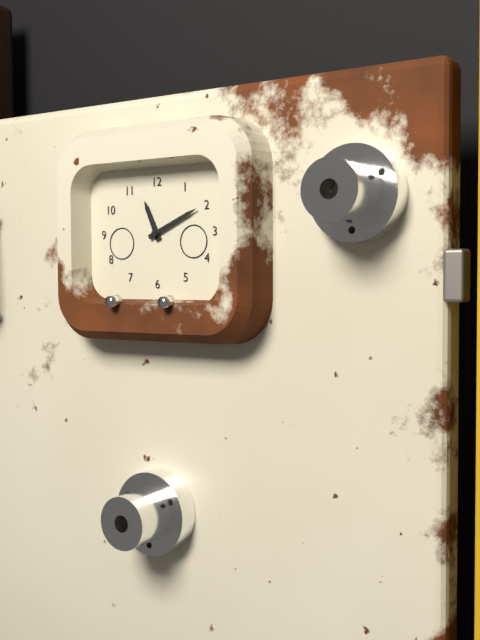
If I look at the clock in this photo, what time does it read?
11:11
